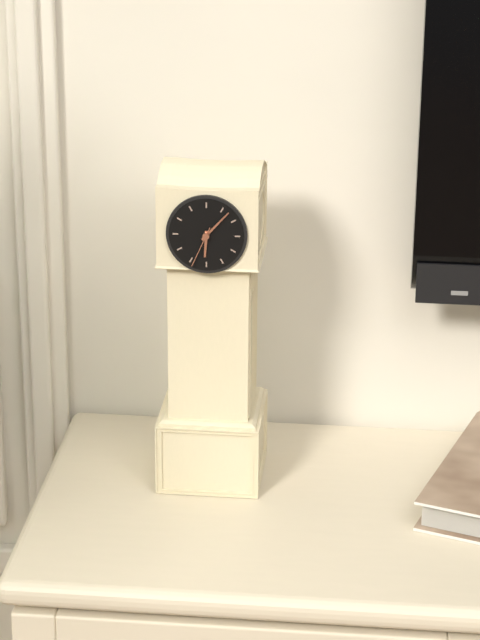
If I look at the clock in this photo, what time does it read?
6:07
